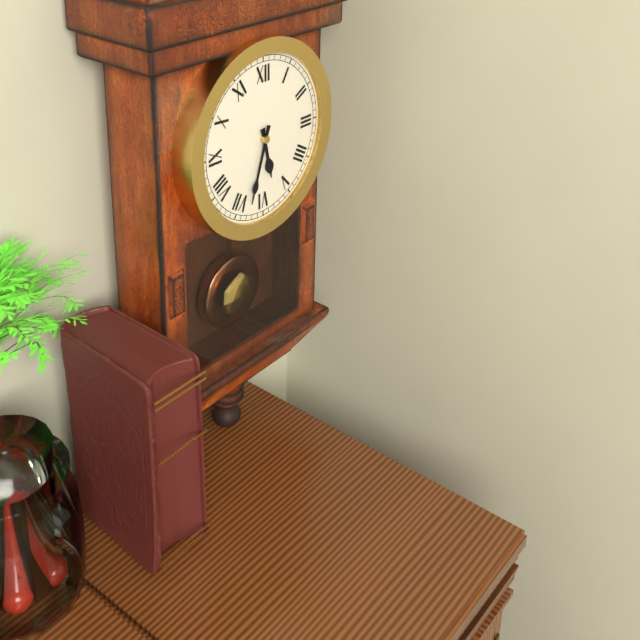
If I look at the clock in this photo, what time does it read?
5:33
